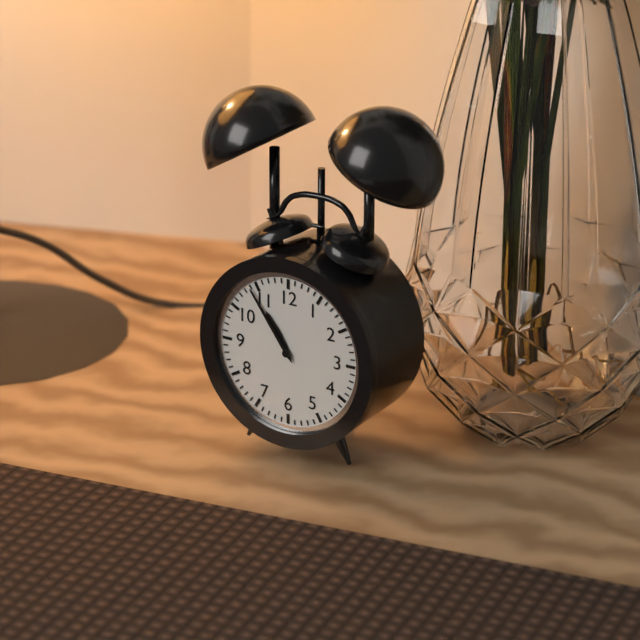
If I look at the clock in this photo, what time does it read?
10:54
